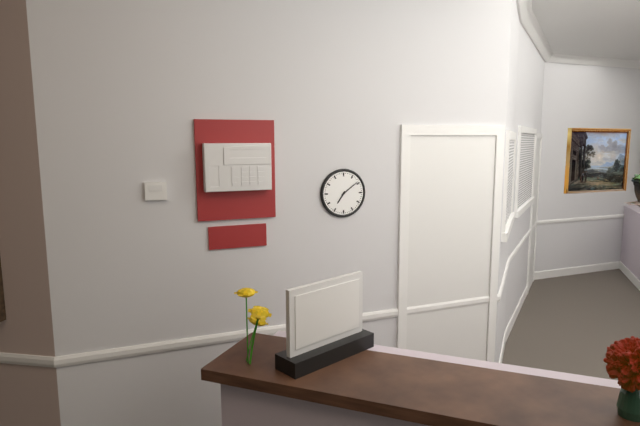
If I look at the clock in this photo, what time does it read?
7:09
